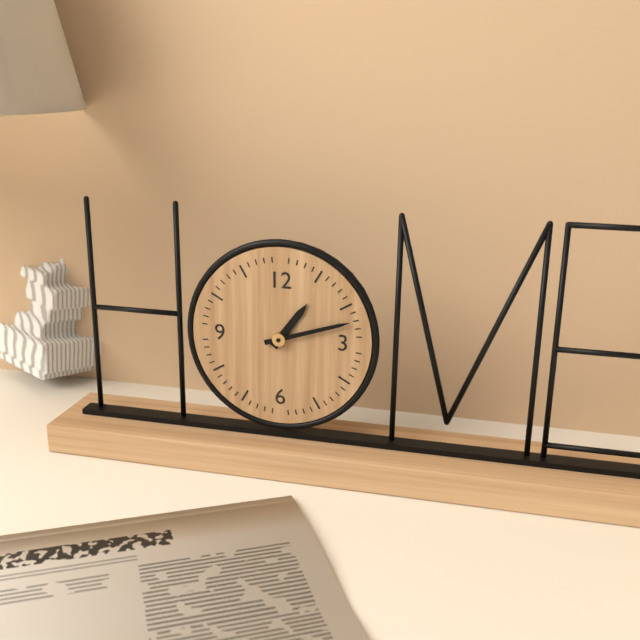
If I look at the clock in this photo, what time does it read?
1:12
